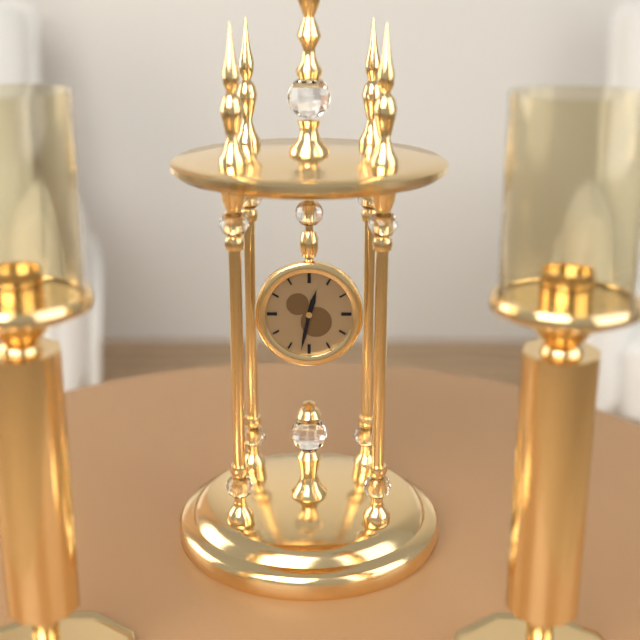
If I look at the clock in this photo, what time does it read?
12:32
